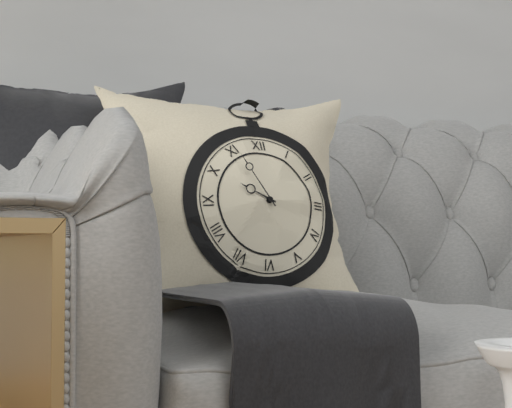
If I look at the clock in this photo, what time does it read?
9:55
